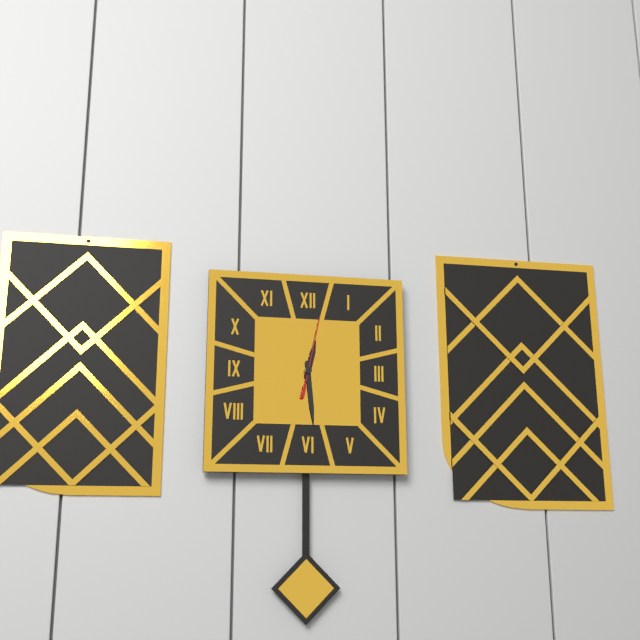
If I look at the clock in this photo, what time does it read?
12:29:02
